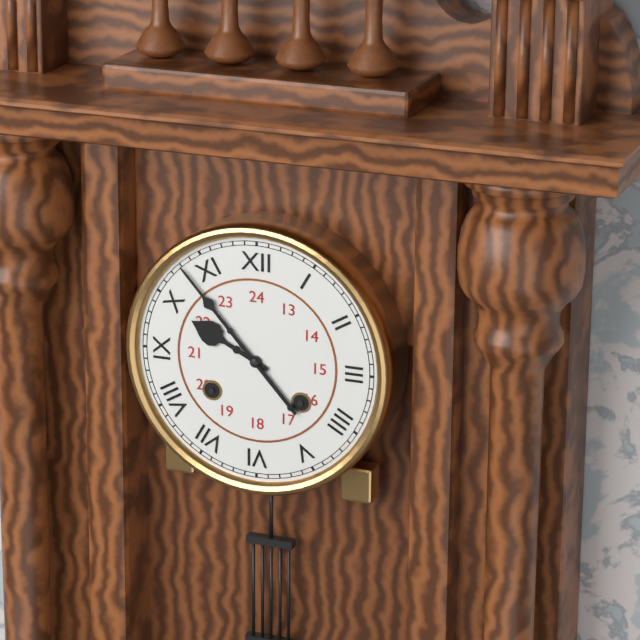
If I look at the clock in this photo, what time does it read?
9:53
